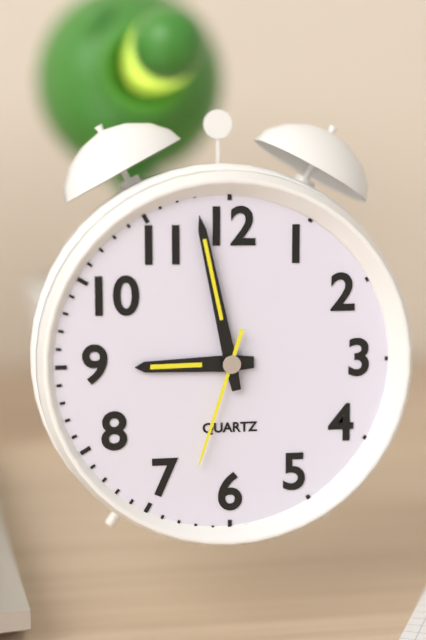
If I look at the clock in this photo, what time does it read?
8:58:33
